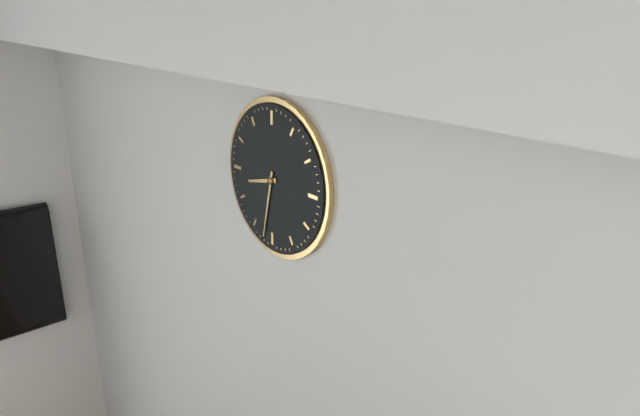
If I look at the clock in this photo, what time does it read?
8:32
